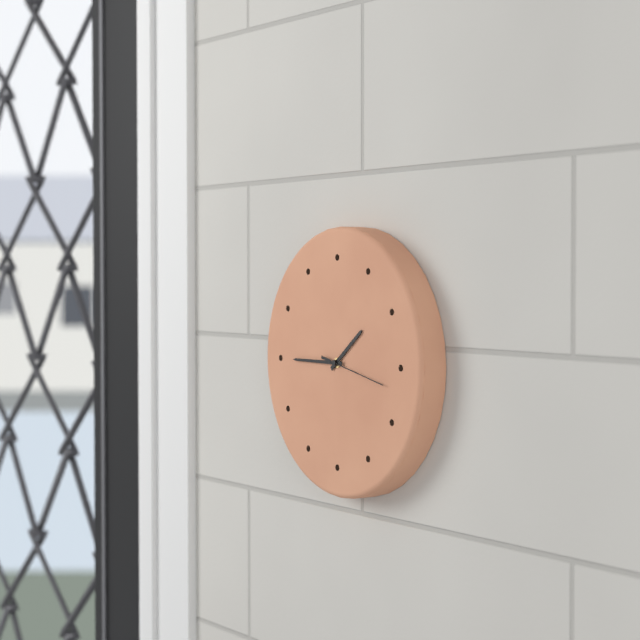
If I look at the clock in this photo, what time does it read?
1:45:17
